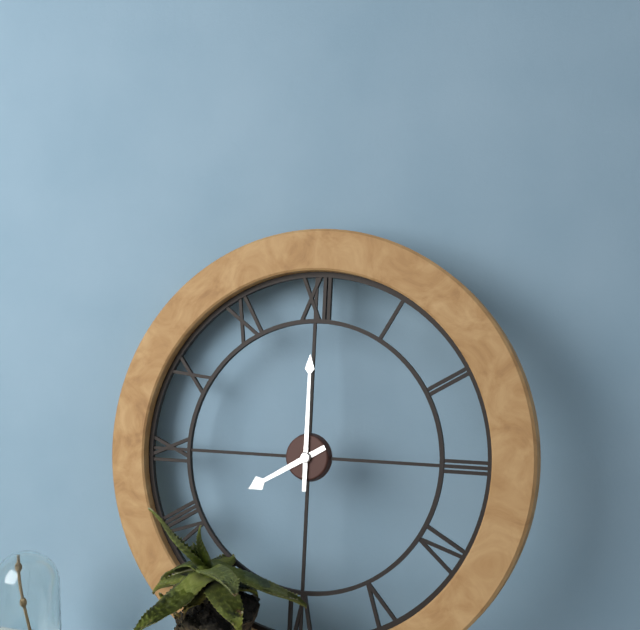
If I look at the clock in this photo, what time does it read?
8:00
